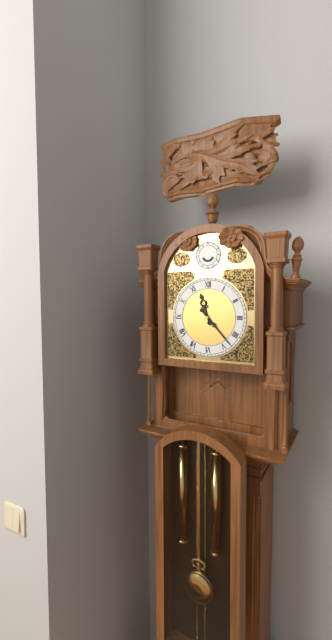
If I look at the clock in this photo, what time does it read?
11:23
